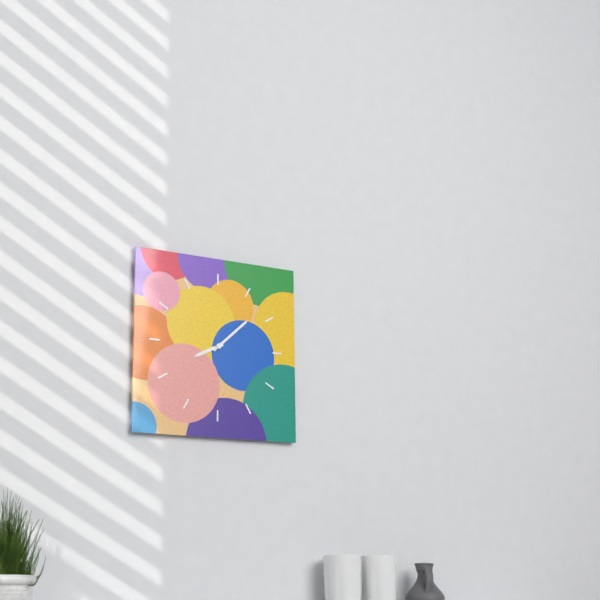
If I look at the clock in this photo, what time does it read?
8:08
